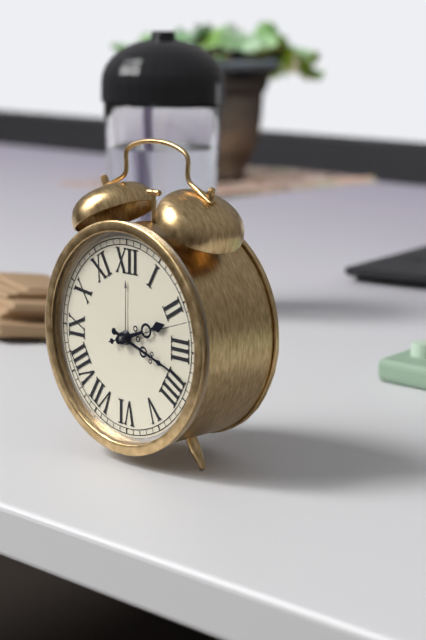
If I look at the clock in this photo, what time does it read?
2:18:12
